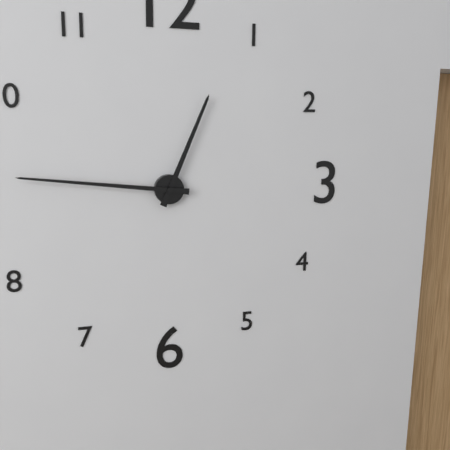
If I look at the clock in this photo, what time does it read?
12:46
